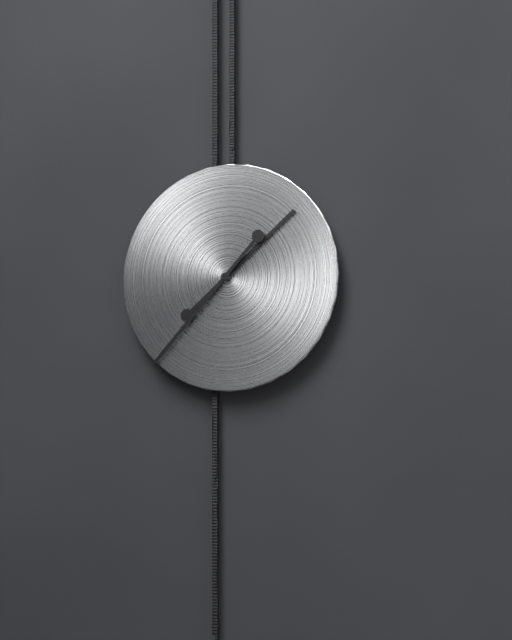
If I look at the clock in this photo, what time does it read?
1:37
